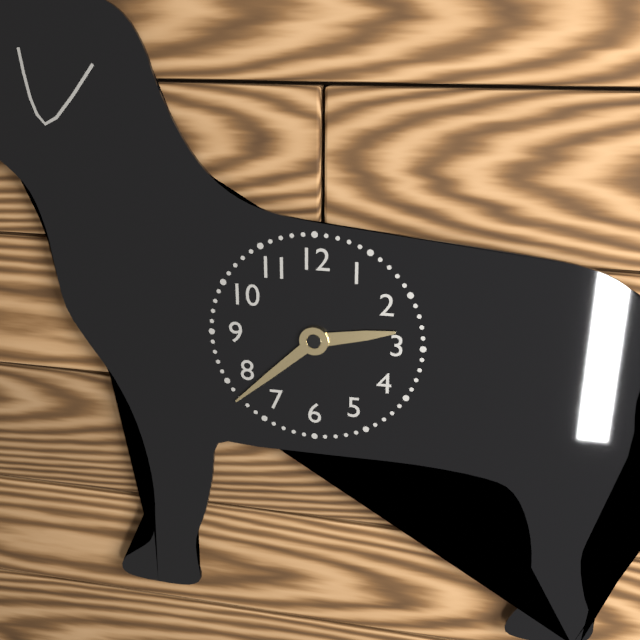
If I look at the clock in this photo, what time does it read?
2:38
